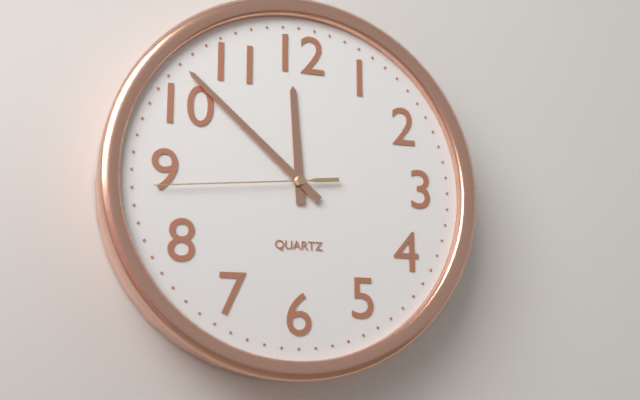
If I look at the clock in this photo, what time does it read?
11:52:44
